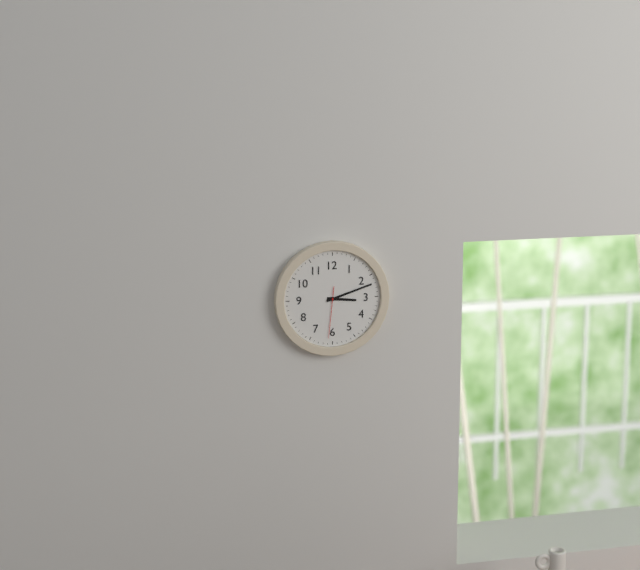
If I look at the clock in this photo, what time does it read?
3:12
